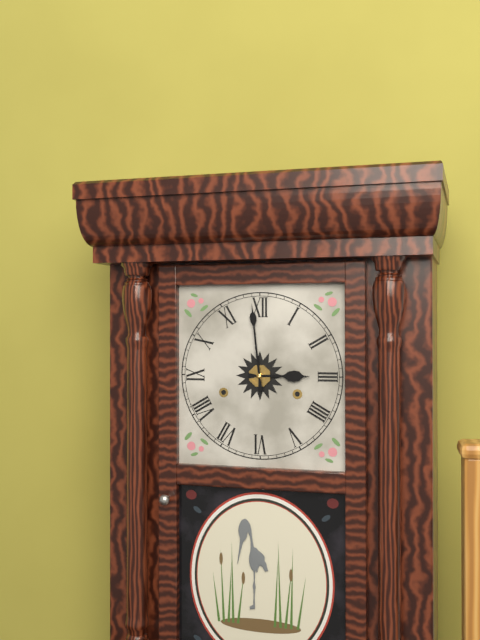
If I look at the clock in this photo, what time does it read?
2:59
